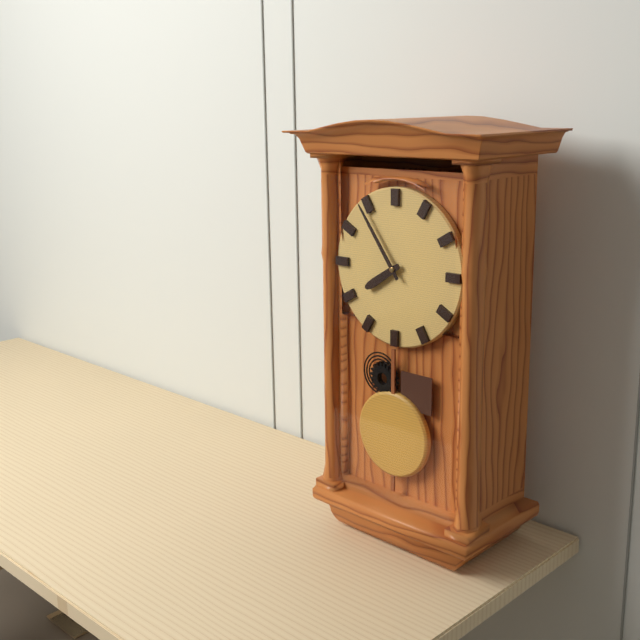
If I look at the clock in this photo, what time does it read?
7:54
